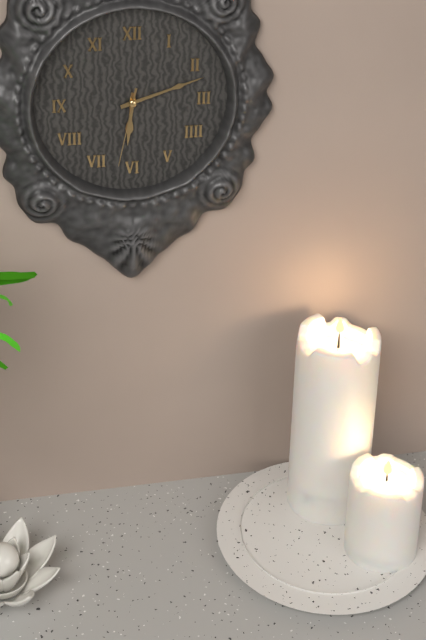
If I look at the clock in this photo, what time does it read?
6:12:32
